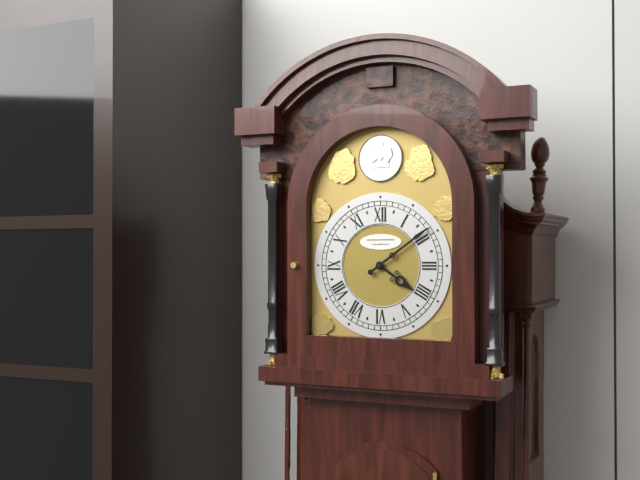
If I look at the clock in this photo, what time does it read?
4:09
